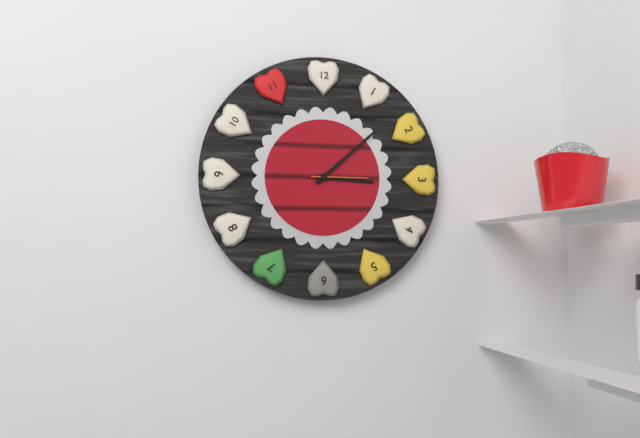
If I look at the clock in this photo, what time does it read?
3:08:15
